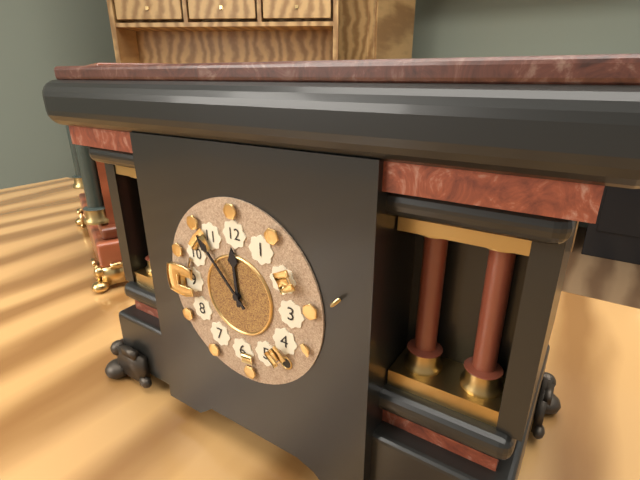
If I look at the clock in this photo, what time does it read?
11:53
